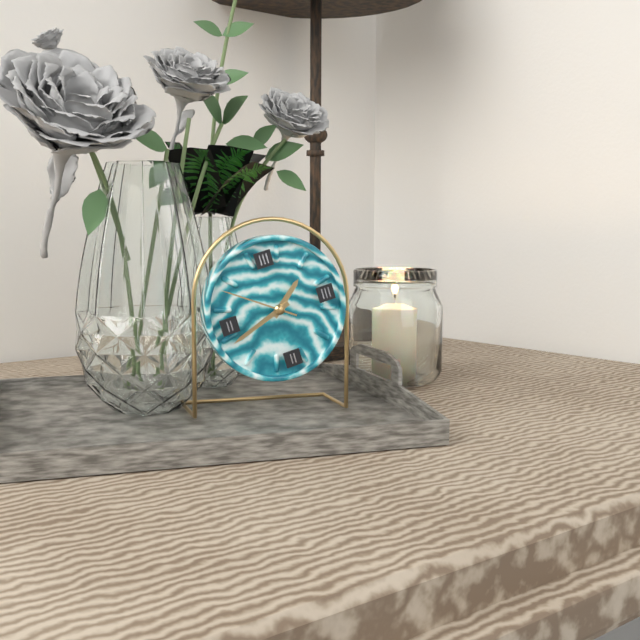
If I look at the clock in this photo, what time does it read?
1:42:51
